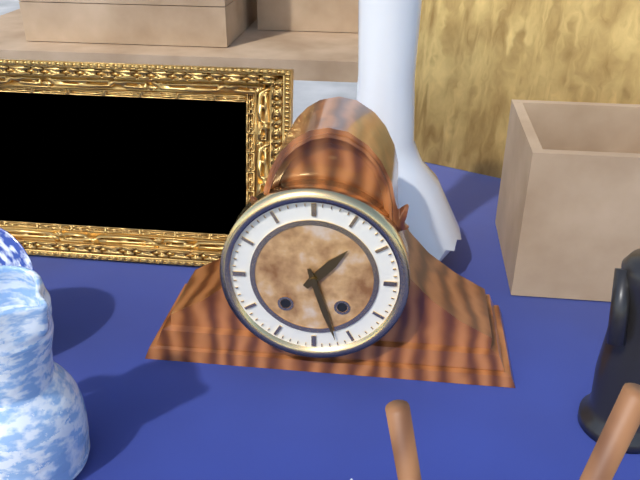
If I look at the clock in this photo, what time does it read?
1:27
